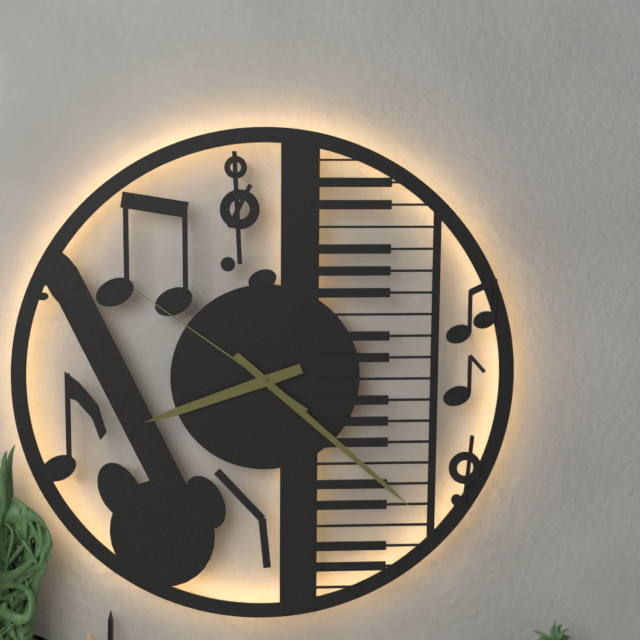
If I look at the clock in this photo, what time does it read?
8:22:51
